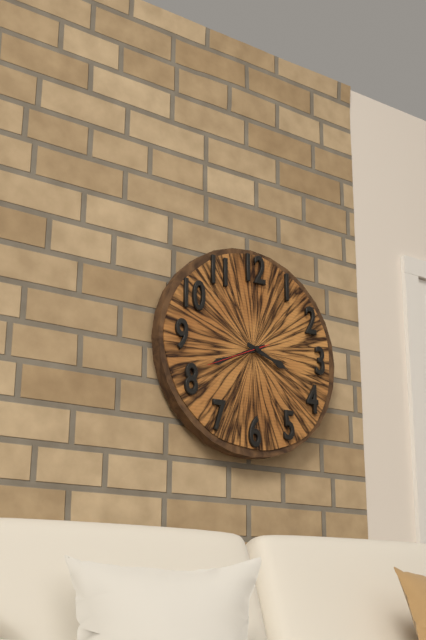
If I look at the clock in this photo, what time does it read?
3:41
